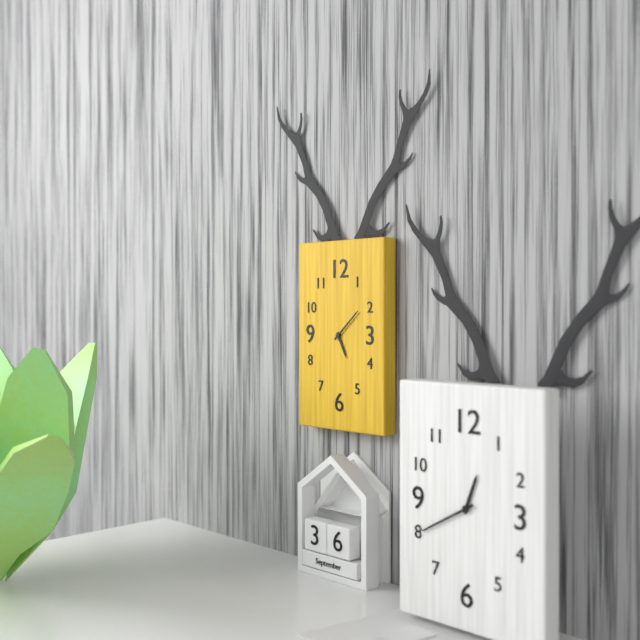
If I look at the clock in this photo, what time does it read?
5:08
